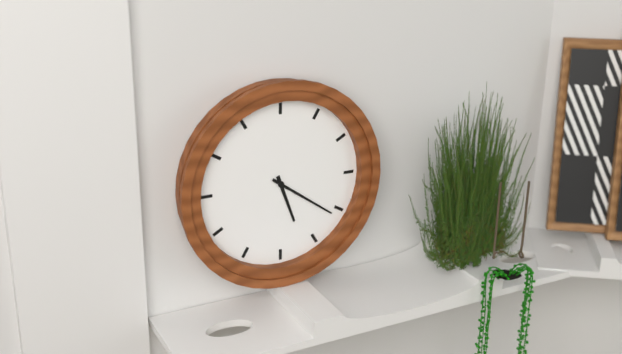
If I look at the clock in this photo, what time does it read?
5:21
